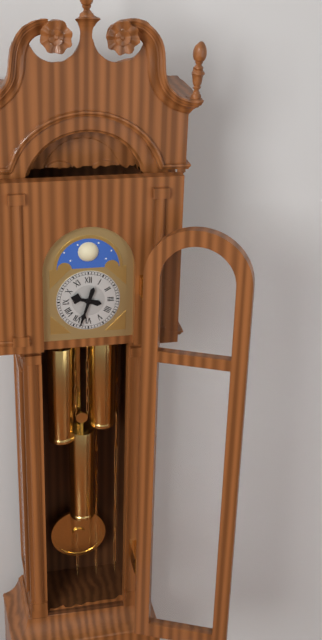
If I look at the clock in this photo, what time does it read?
9:33
